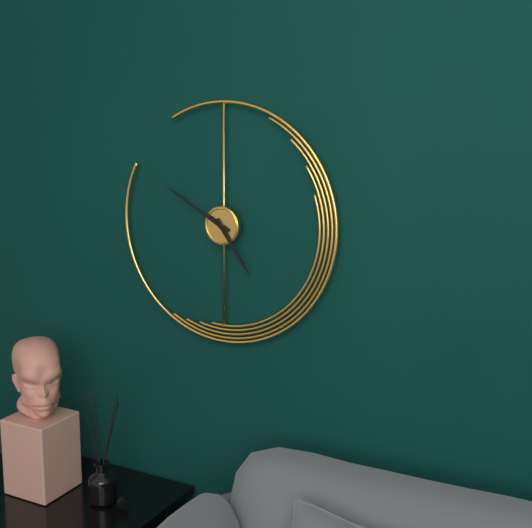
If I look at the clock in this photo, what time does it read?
4:50
